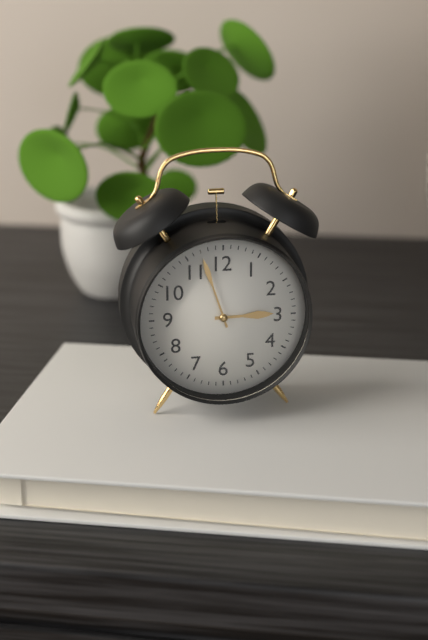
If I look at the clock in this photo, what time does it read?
2:57
